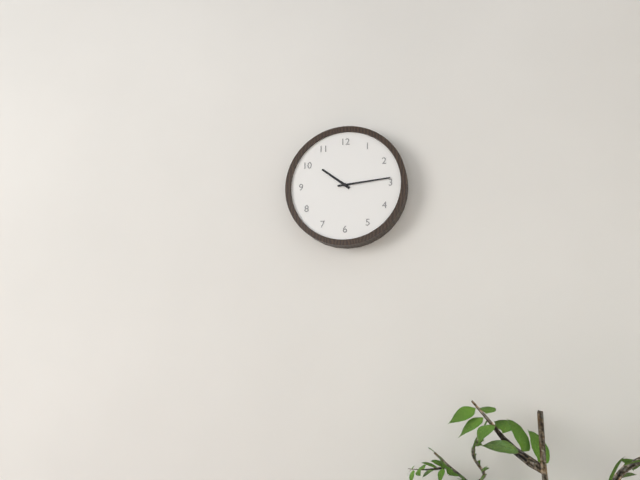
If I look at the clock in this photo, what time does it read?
10:14
